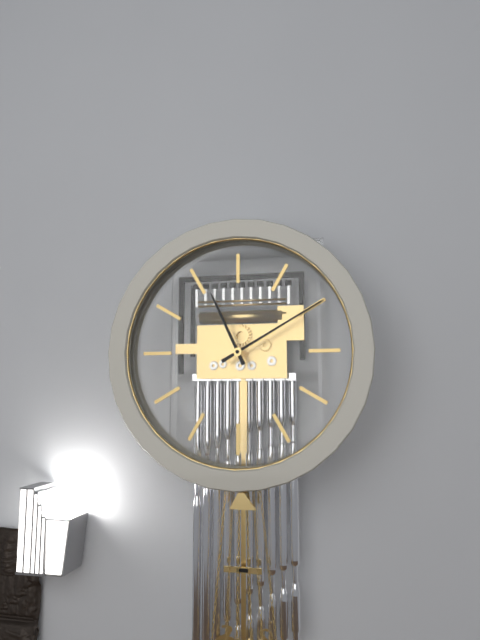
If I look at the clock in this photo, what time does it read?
11:10
